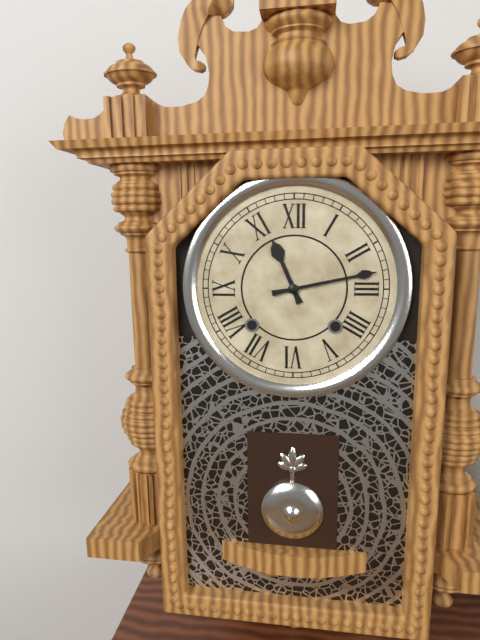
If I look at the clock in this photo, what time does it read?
11:13
